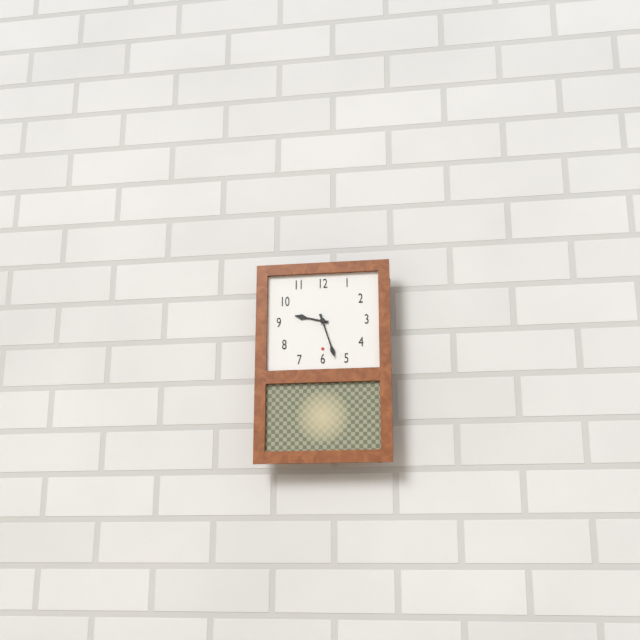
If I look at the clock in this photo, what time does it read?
9:27
